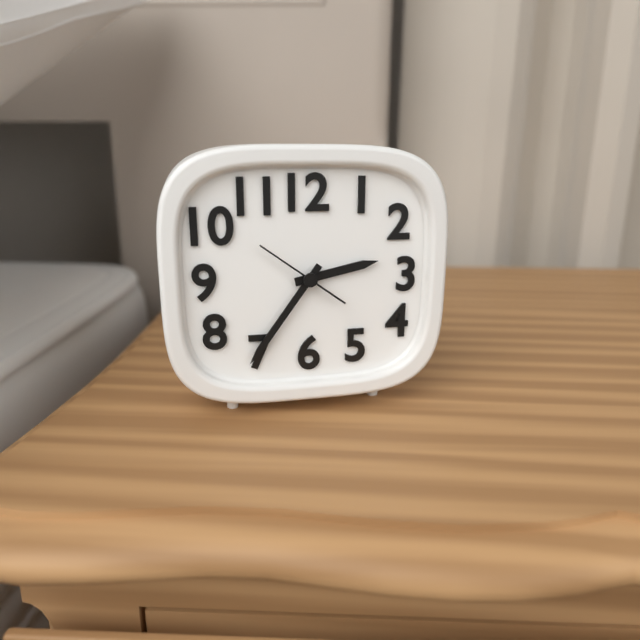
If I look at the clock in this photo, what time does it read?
2:36:51
